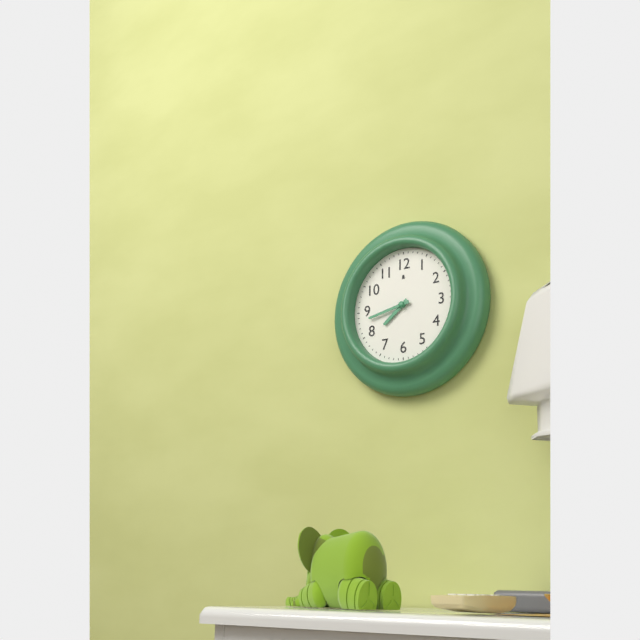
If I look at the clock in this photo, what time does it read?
7:43
